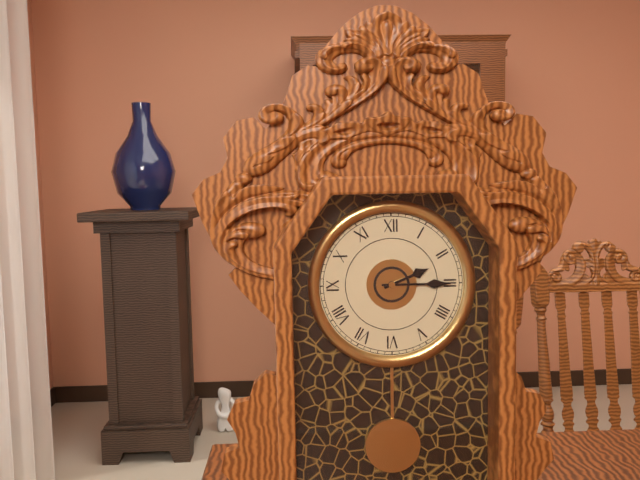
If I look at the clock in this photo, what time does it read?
2:15
